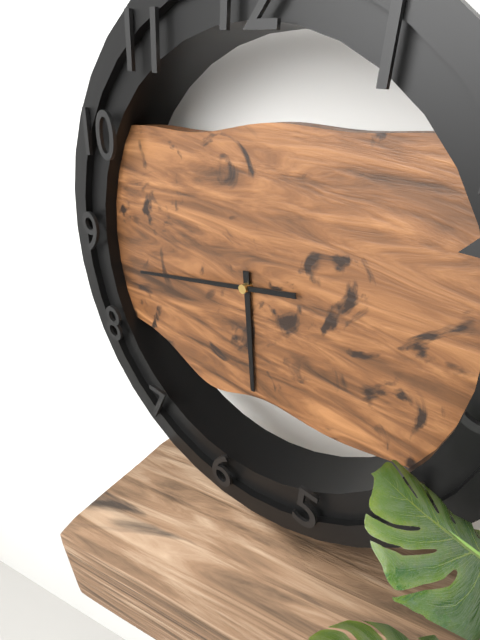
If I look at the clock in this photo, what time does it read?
5:43
